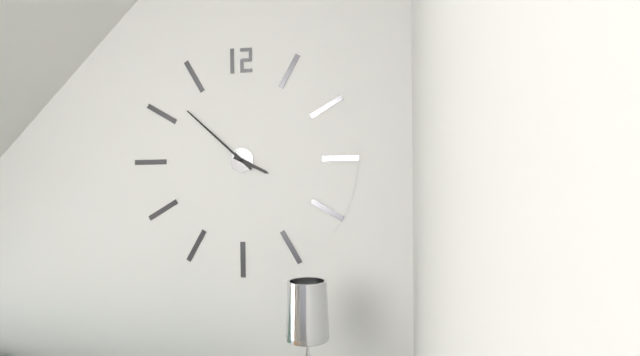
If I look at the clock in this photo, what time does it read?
3:52
